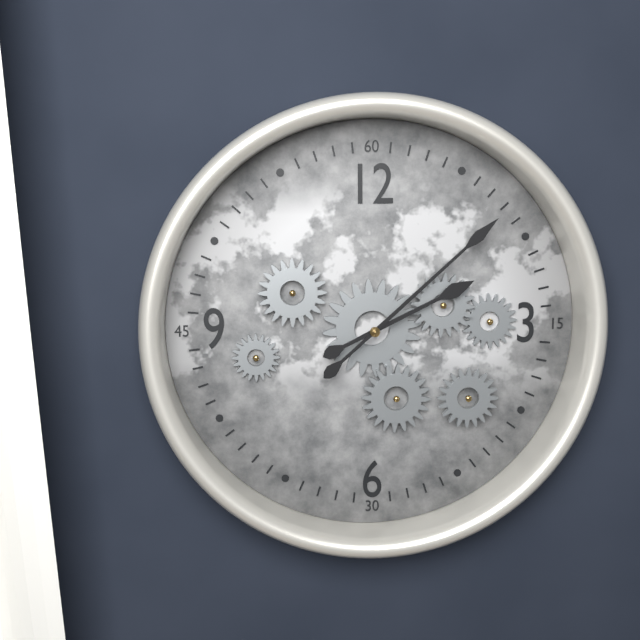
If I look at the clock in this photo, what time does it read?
2:08
